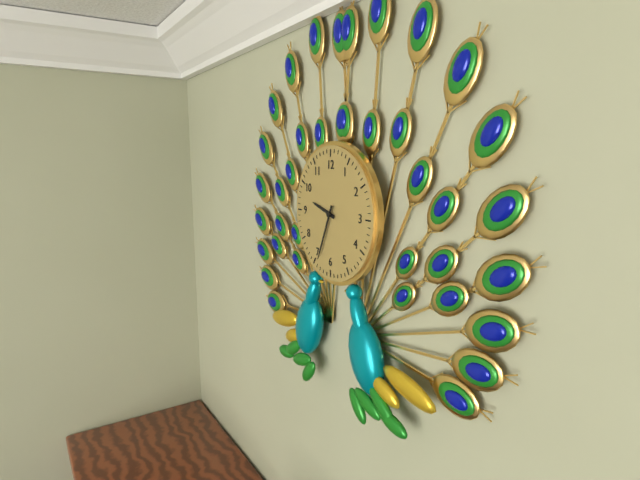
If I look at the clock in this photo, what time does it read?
9:34
